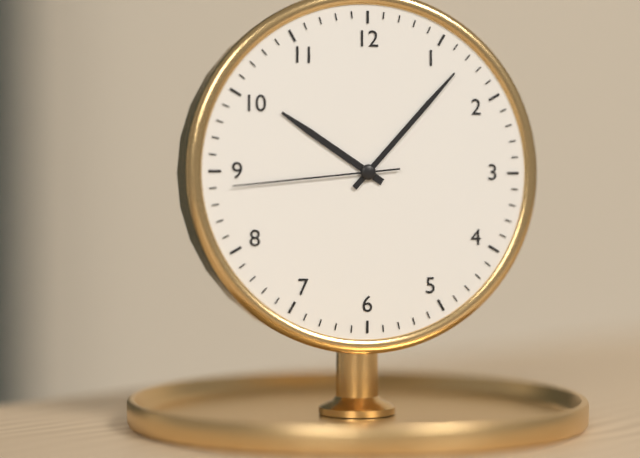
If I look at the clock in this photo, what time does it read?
10:07:44
